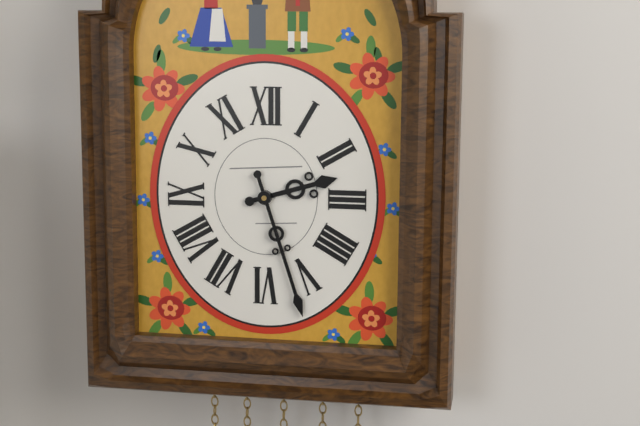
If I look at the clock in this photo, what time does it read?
2:27
